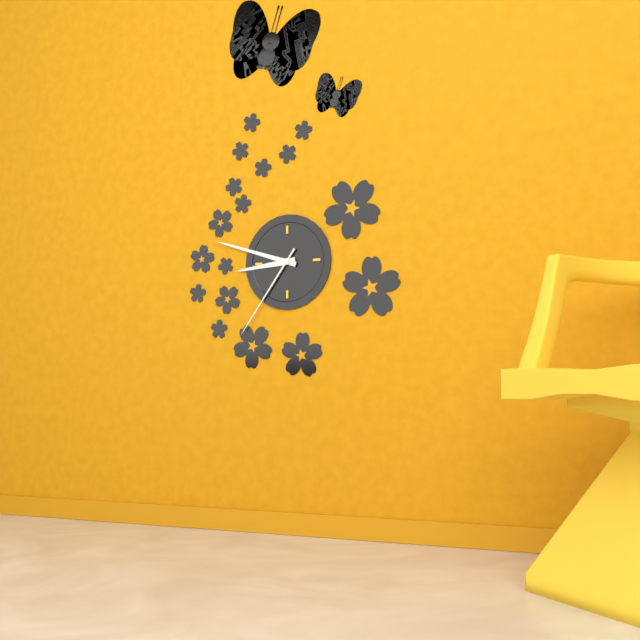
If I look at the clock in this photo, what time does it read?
8:48:36
